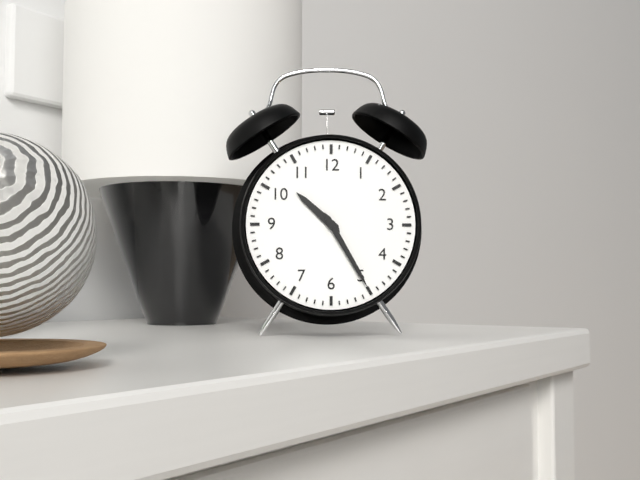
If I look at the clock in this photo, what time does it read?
10:25
